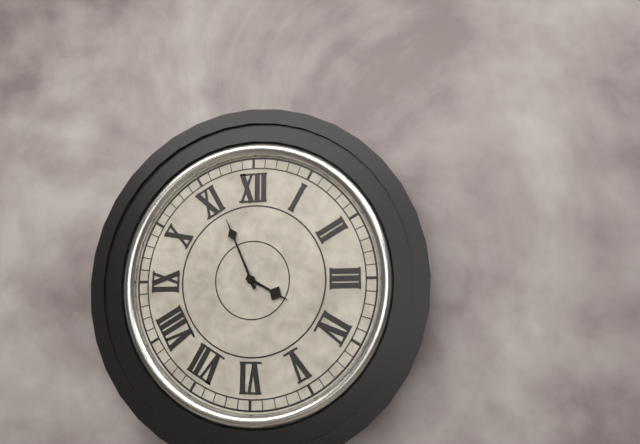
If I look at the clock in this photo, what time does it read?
3:56
